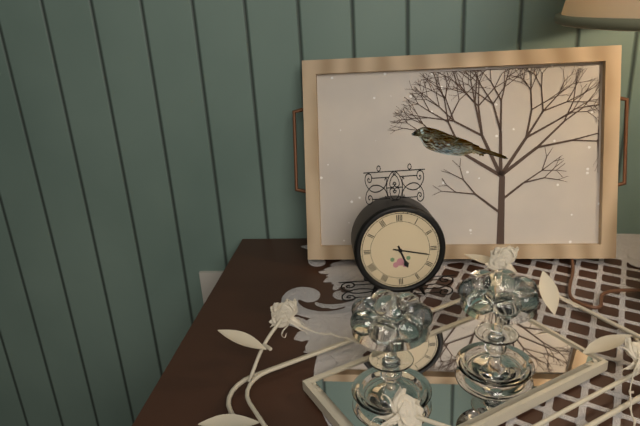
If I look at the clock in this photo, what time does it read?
5:17
